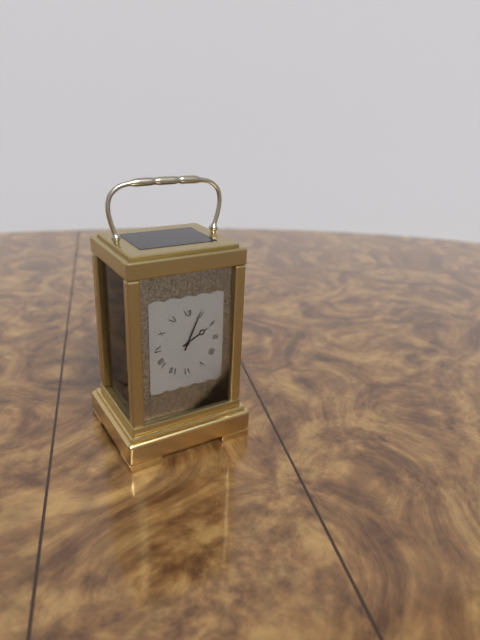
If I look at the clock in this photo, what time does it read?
2:04
